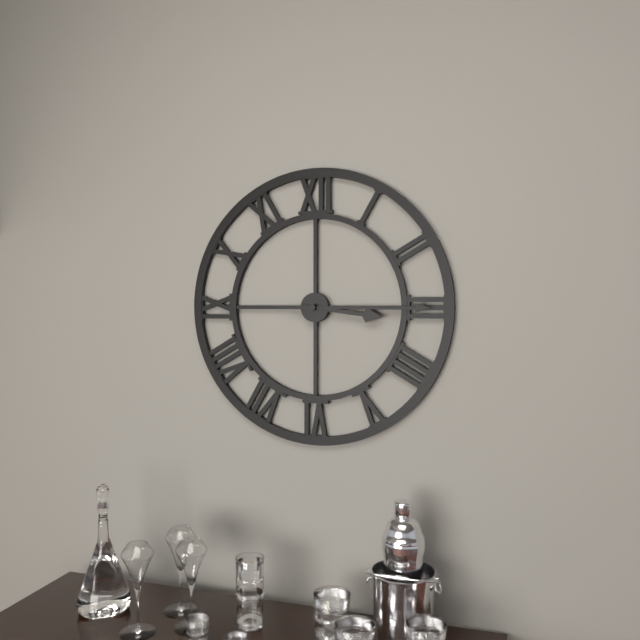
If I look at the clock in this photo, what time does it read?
3:15
